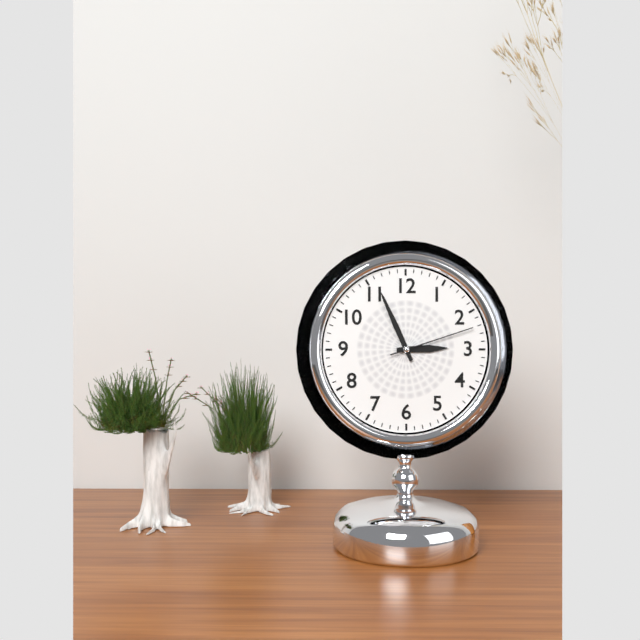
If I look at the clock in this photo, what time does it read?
2:56:12
